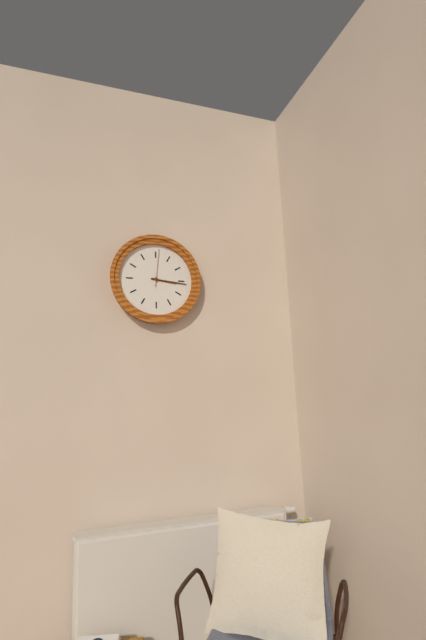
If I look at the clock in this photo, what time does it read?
3:16
